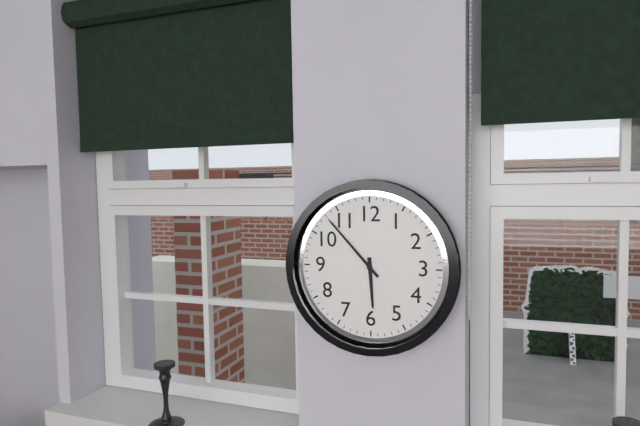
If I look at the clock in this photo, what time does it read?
5:53
